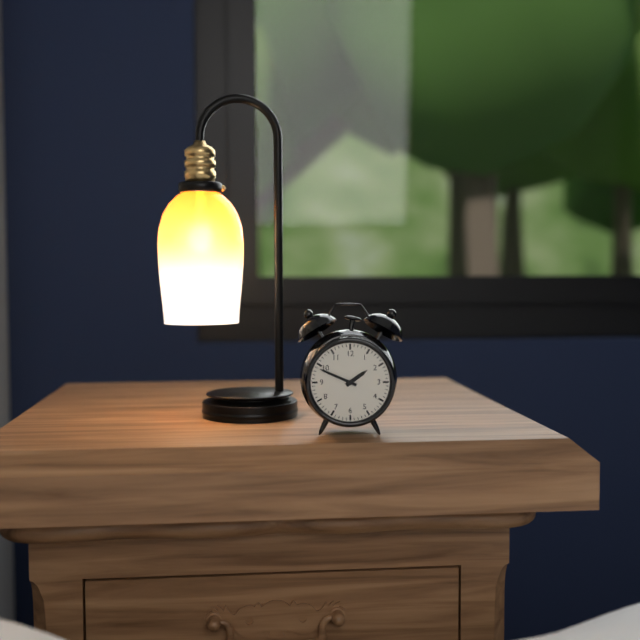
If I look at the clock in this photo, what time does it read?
1:49
